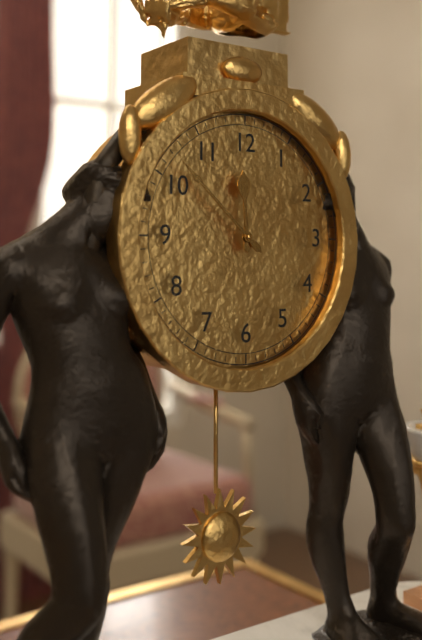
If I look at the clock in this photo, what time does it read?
11:52
